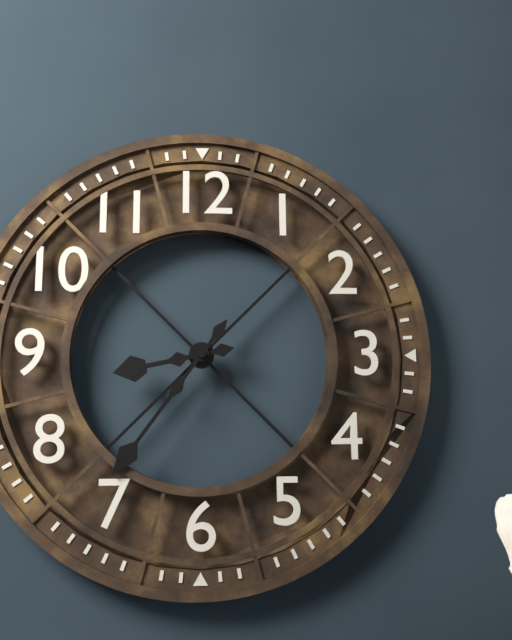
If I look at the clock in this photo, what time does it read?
8:36
